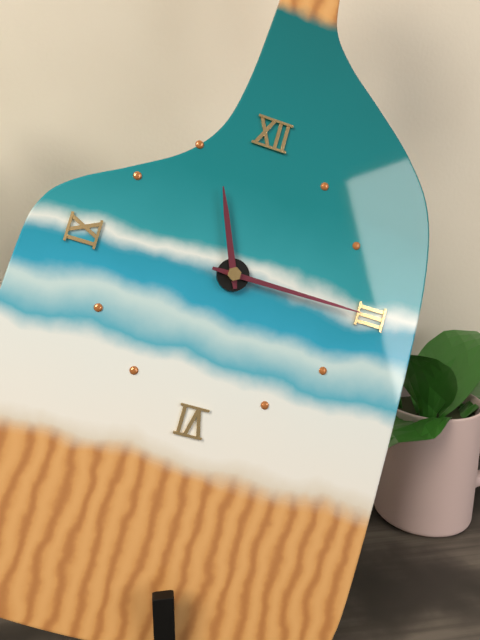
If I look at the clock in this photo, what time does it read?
11:15
